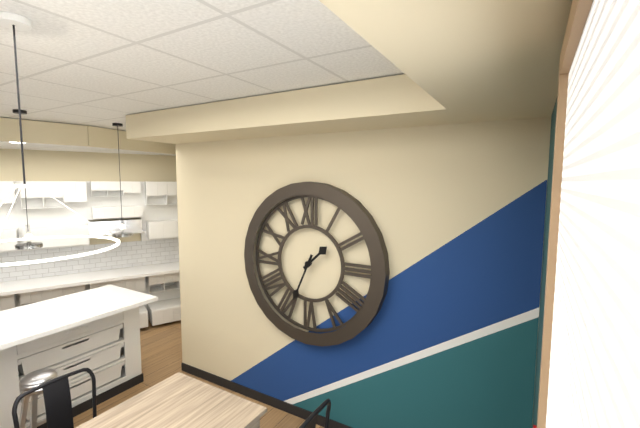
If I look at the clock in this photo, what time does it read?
1:34
